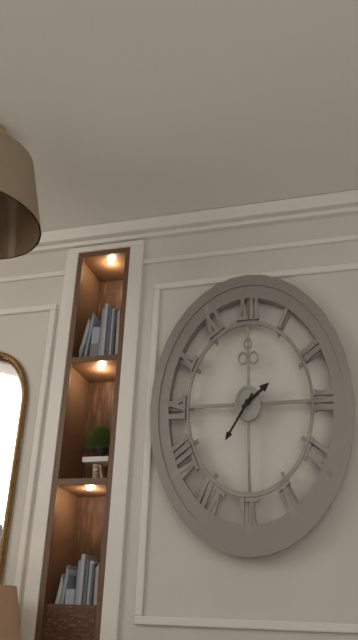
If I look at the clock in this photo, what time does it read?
1:35
